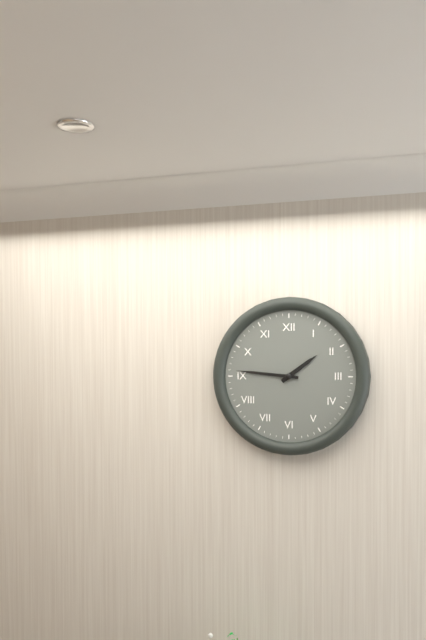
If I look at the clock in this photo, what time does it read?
1:46
